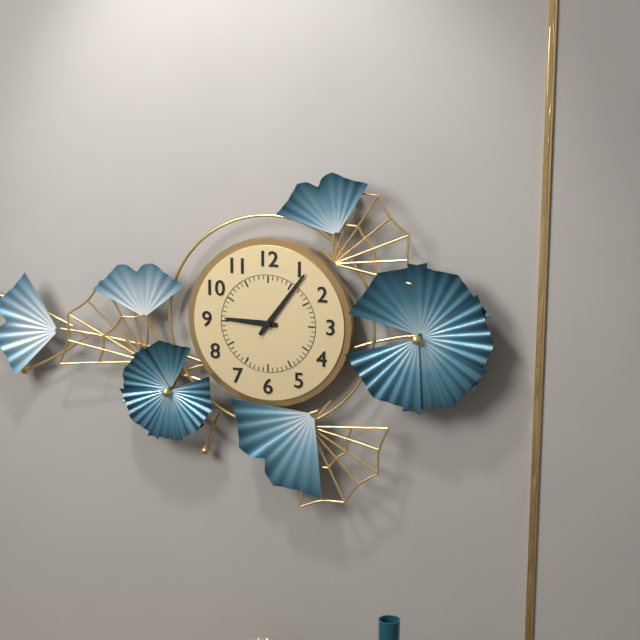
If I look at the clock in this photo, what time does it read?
9:06
